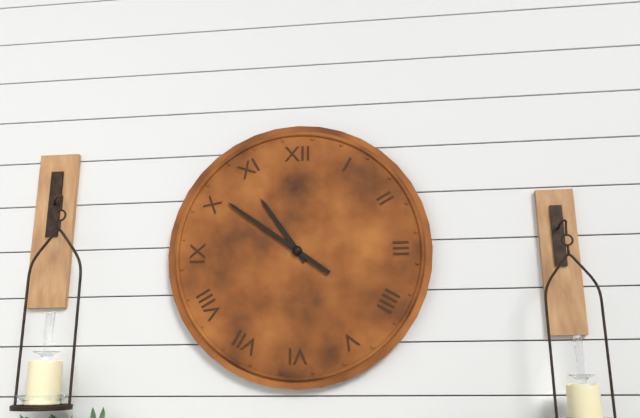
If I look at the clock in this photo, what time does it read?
10:51
